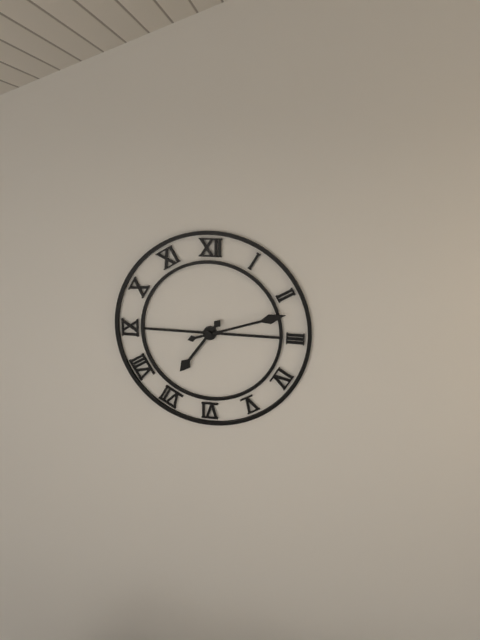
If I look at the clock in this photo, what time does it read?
7:12
